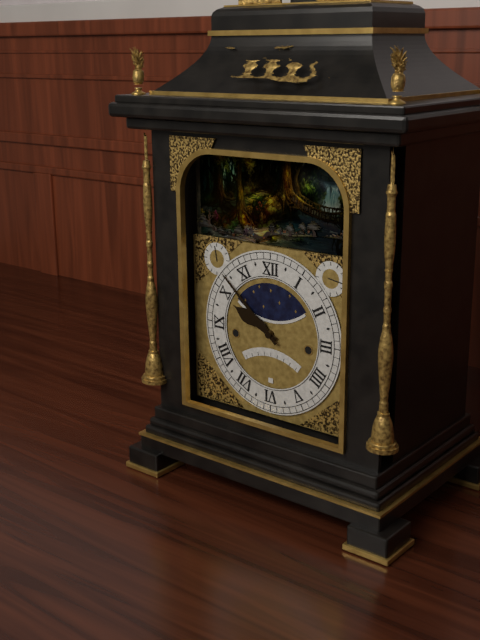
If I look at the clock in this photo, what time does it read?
9:52
